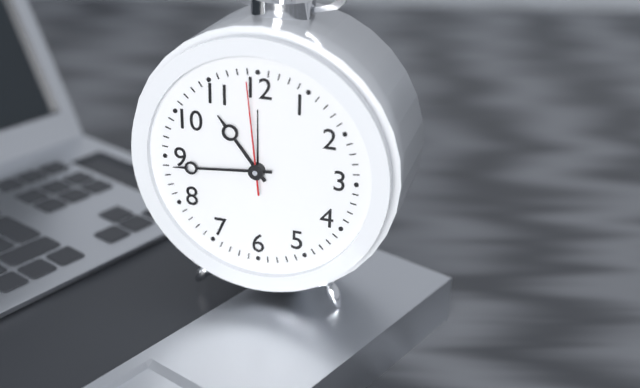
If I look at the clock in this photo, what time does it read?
10:44:59
